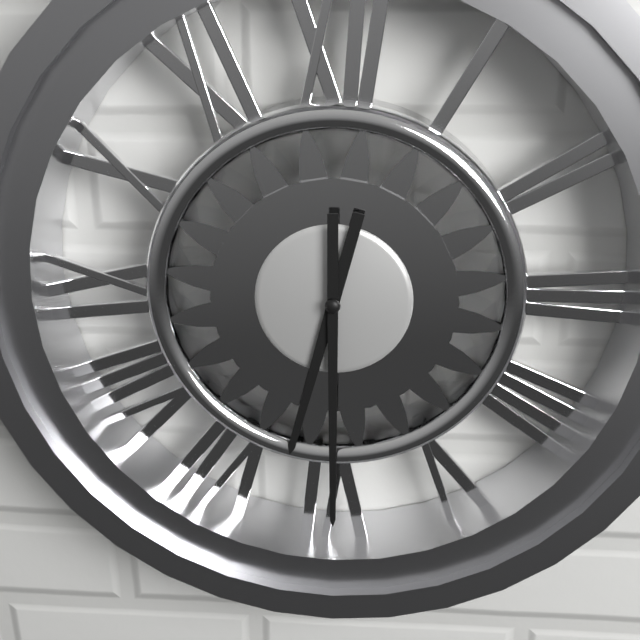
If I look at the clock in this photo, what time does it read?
6:30
